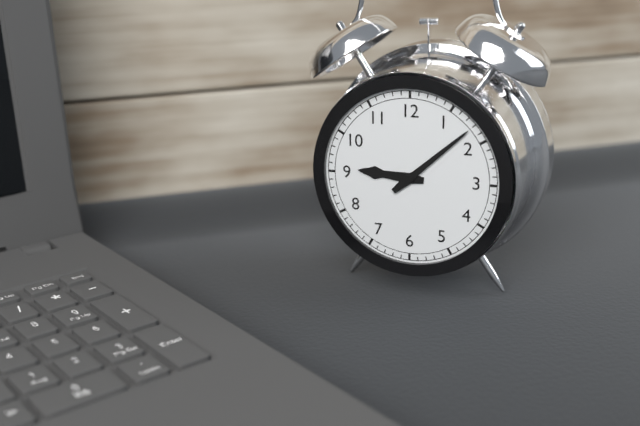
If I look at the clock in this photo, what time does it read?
9:08
